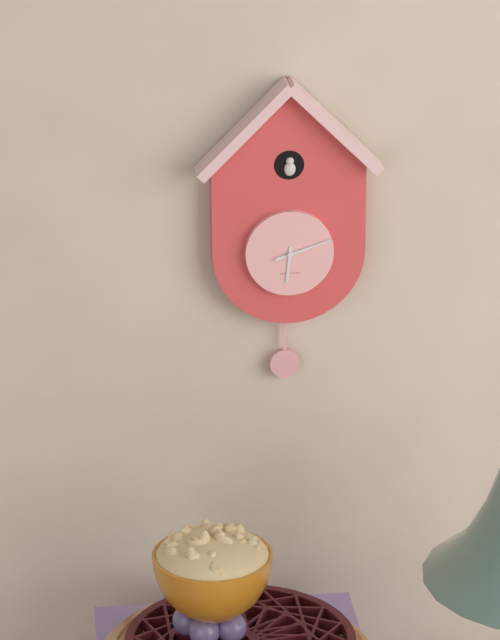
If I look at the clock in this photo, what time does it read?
6:12
